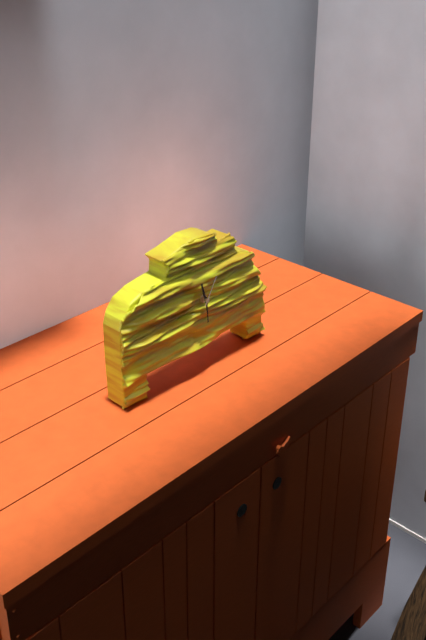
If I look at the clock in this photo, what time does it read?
11:29
